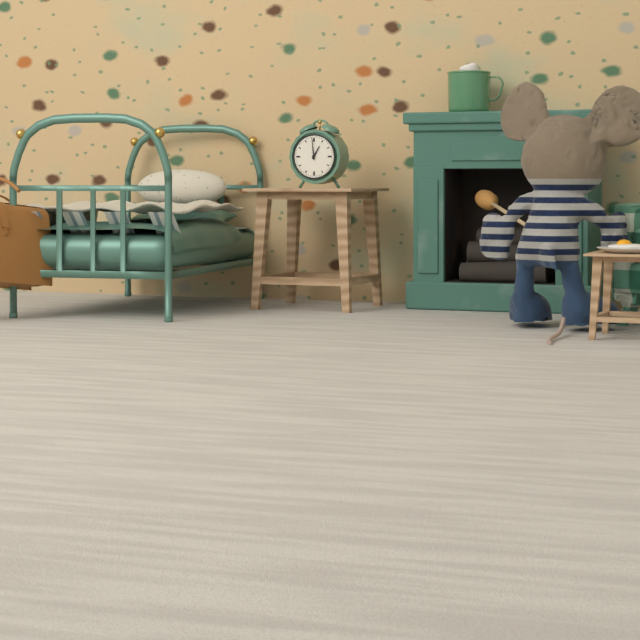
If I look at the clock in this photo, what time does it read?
12:59
